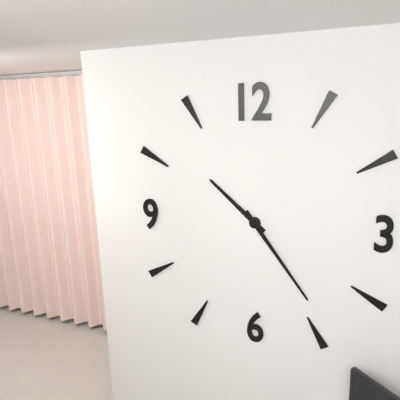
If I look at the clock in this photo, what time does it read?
10:24
